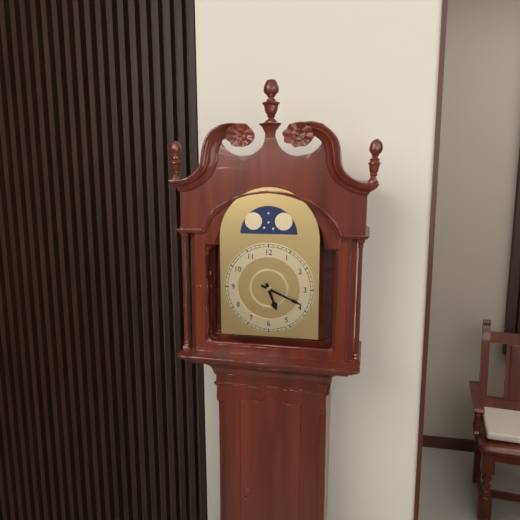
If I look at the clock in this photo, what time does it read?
5:19
